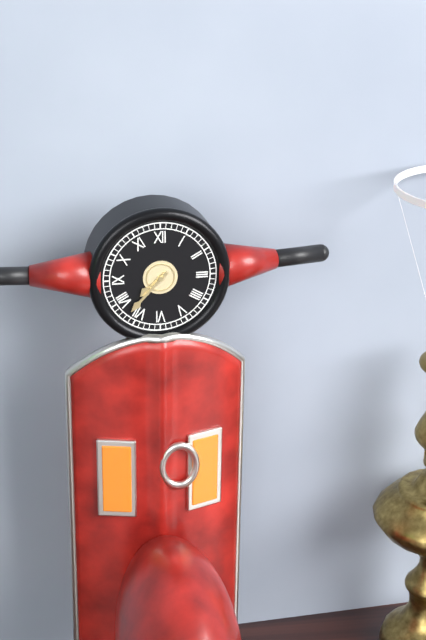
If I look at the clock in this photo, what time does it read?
7:37
